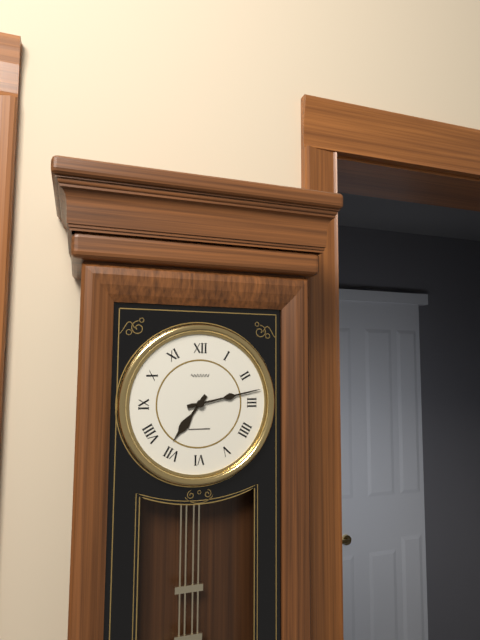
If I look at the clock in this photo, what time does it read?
7:13
